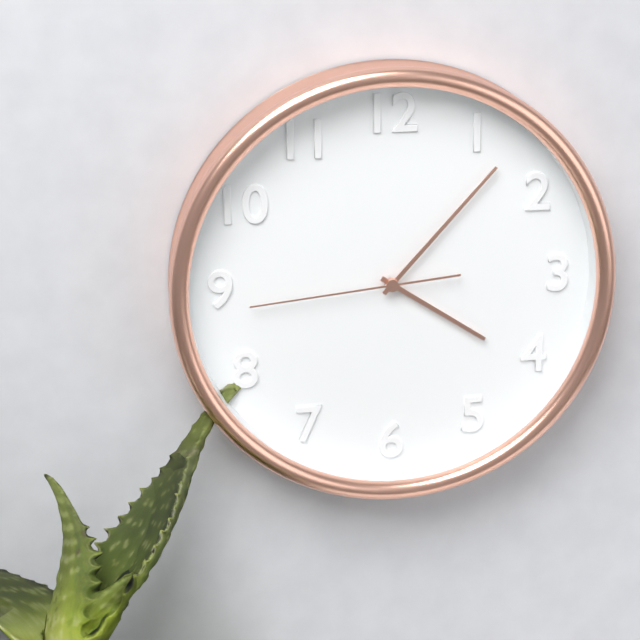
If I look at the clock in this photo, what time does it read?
4:07:44
